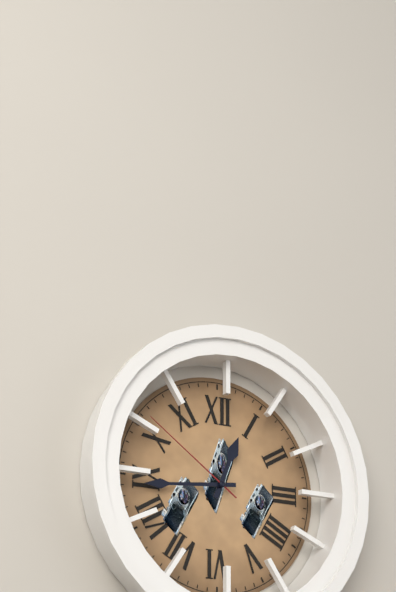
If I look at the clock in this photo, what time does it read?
12:44:51
